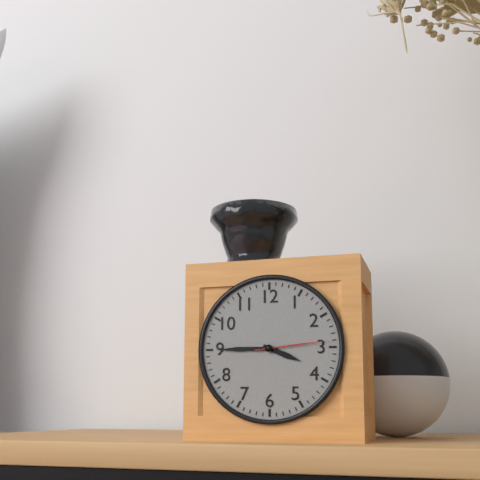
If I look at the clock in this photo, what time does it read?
3:45:14
